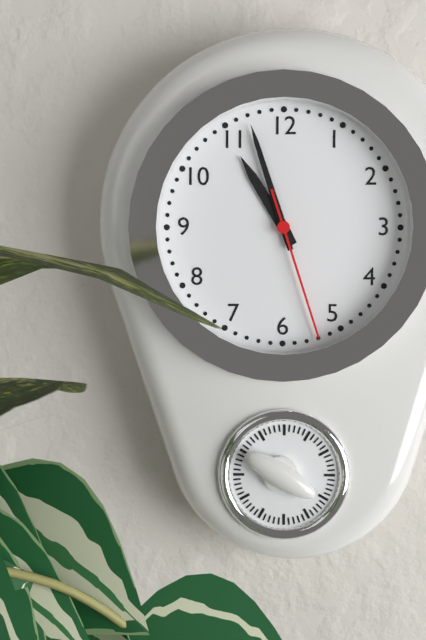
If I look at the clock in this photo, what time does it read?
10:57:27
